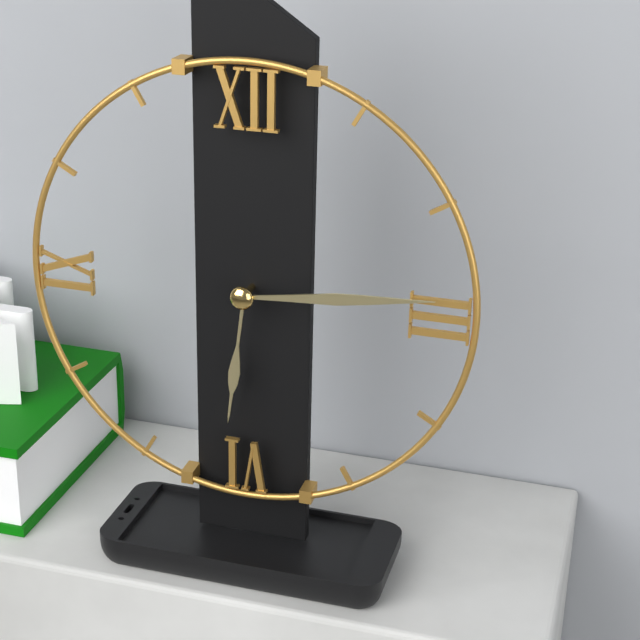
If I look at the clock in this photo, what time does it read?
6:14
